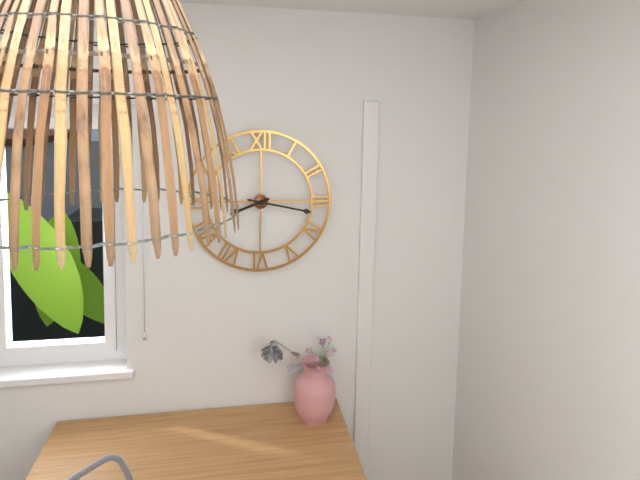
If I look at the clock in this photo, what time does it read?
8:17
